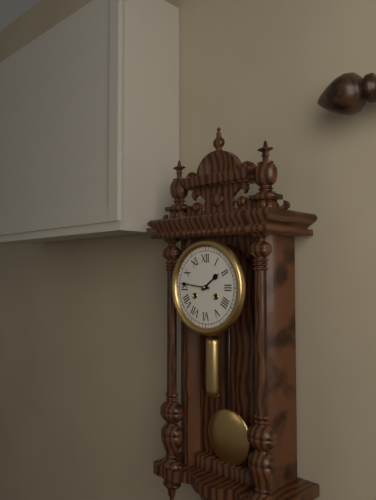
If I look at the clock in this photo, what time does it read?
1:46
